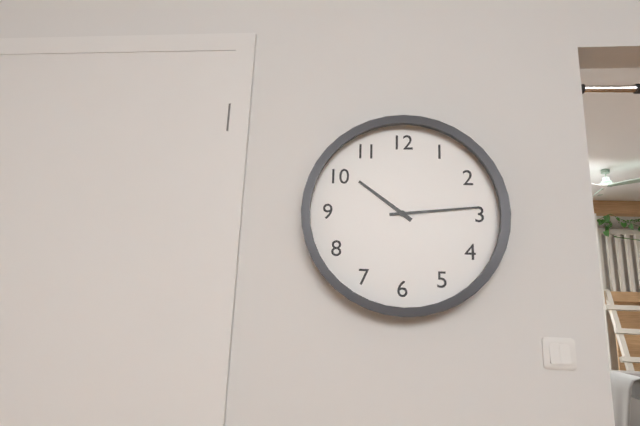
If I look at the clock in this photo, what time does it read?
10:14
